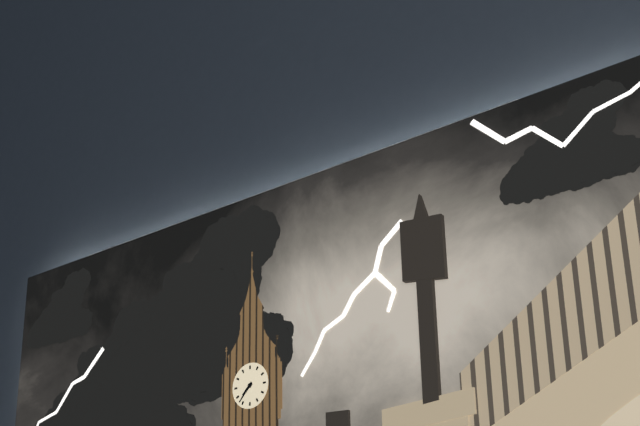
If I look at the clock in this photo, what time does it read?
7:37
